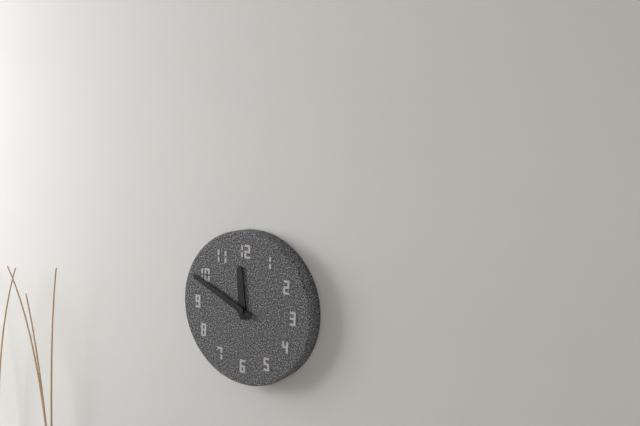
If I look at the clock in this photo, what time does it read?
11:49
